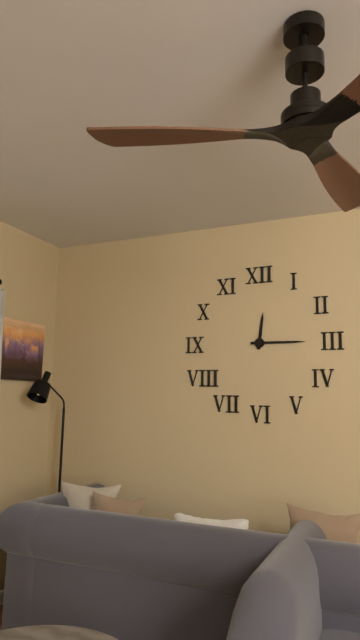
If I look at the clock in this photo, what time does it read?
12:15
